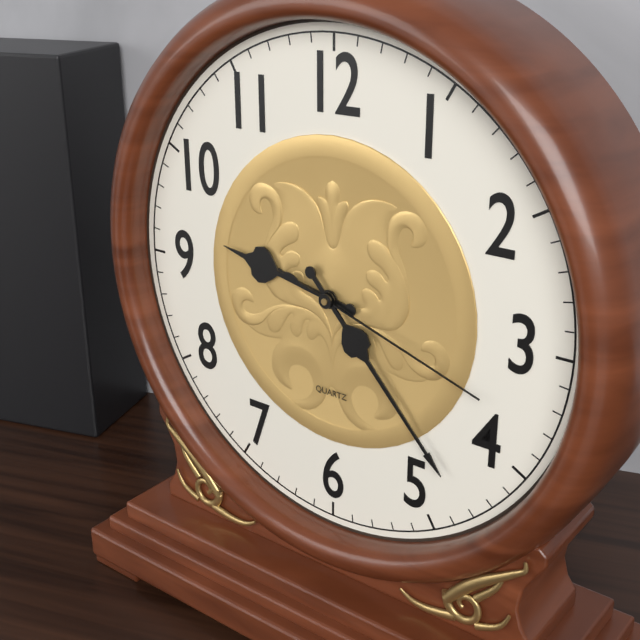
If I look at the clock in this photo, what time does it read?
9:23:18
